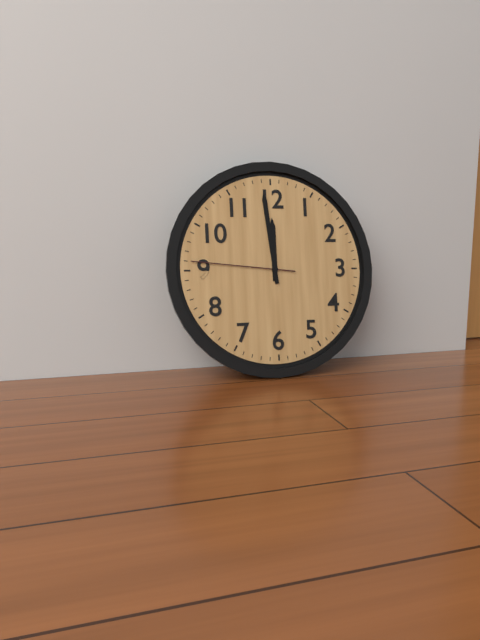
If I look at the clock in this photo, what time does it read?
11:59:46
